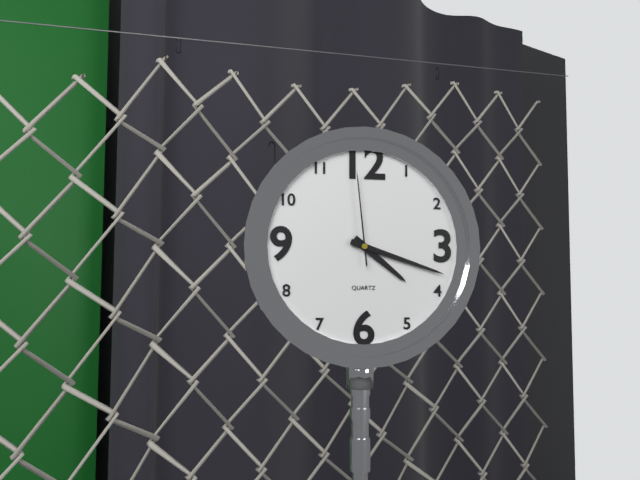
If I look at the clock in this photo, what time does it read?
4:18:59
